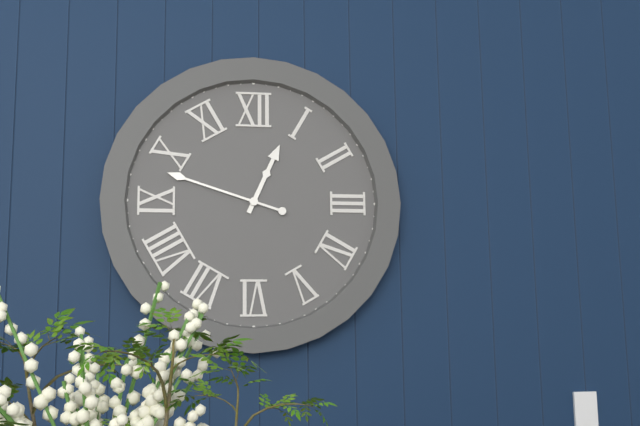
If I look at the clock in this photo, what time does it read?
12:48
